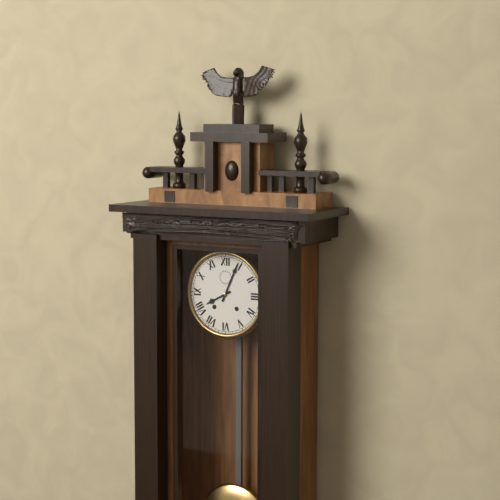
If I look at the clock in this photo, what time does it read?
8:04
